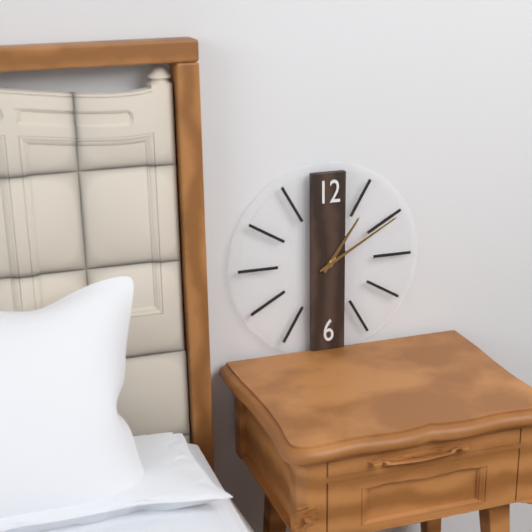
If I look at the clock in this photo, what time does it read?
1:10
